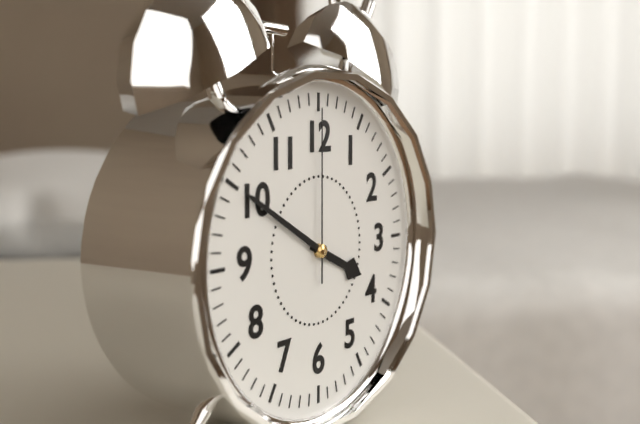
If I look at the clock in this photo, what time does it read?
3:50:00
